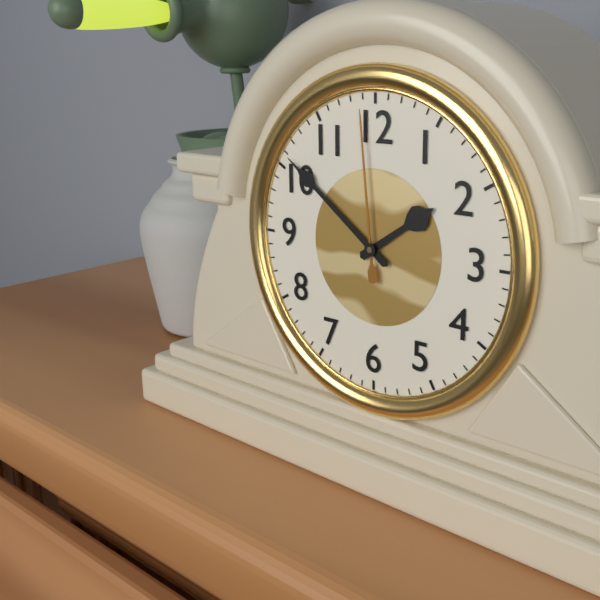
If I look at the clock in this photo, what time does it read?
1:51:59
